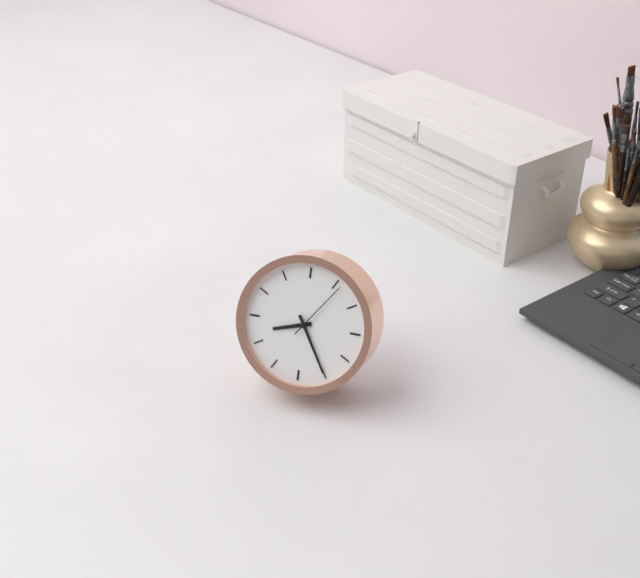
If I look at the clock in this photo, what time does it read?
8:25:06
